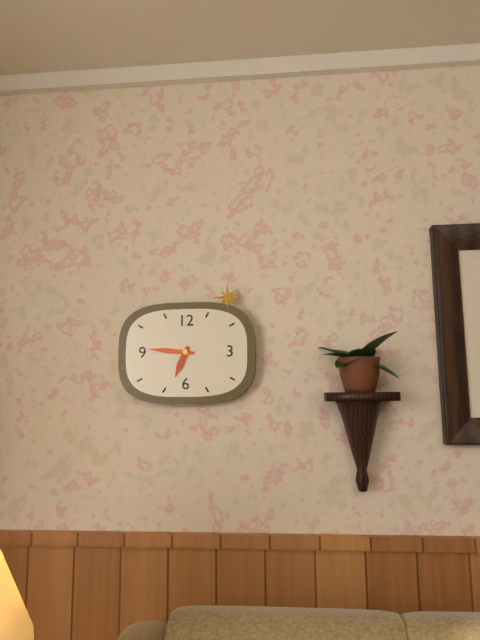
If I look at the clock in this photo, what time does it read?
6:46
